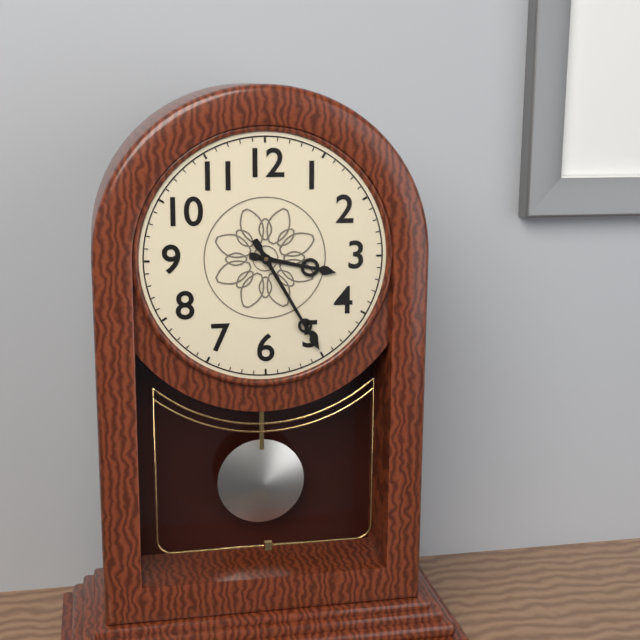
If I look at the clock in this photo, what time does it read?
3:25
